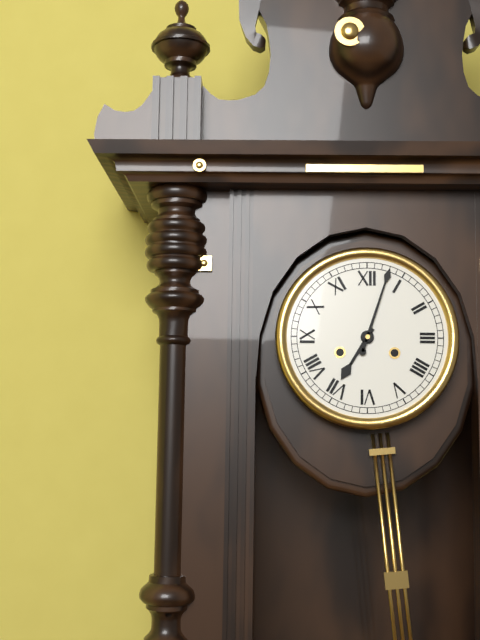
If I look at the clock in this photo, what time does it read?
7:03
